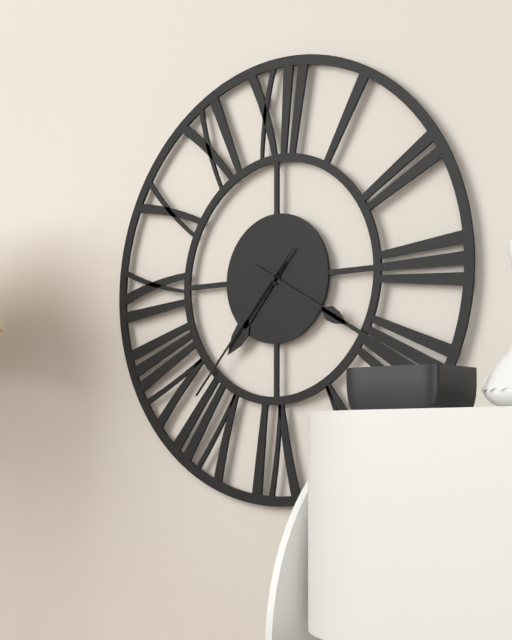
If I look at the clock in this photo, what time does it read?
7:20:37
